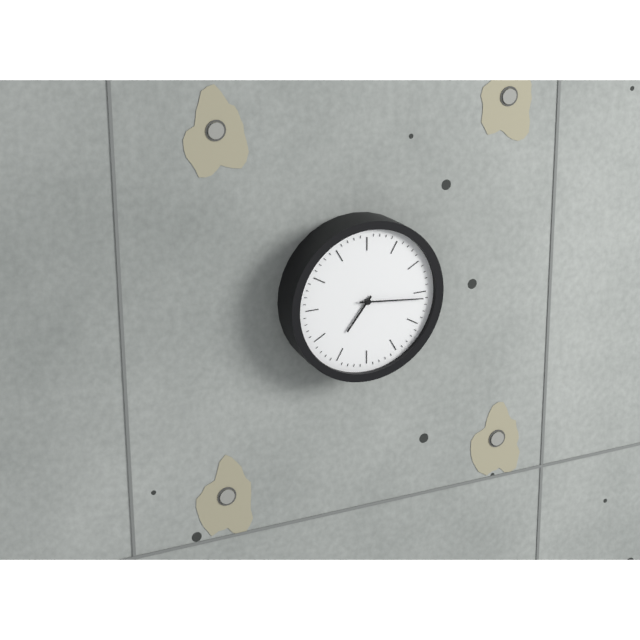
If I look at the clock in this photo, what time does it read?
7:16
